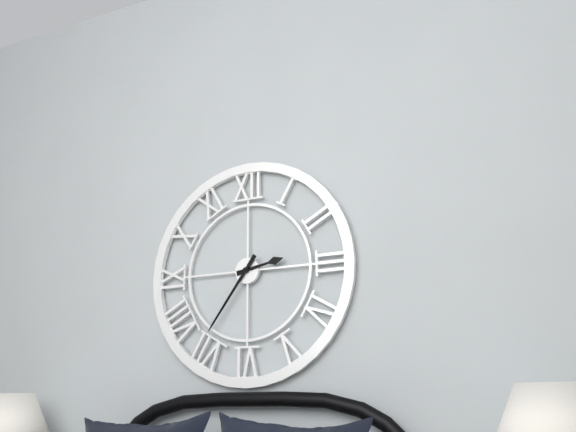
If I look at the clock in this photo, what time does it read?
2:36
